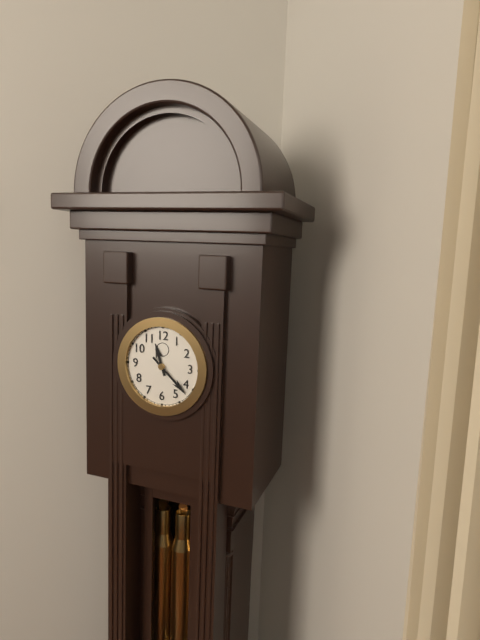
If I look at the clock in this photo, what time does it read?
11:22
